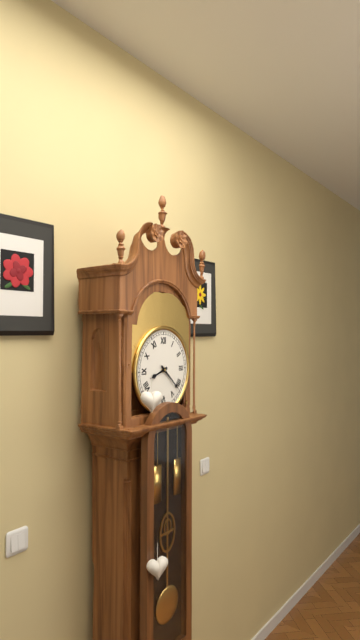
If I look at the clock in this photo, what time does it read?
8:22
